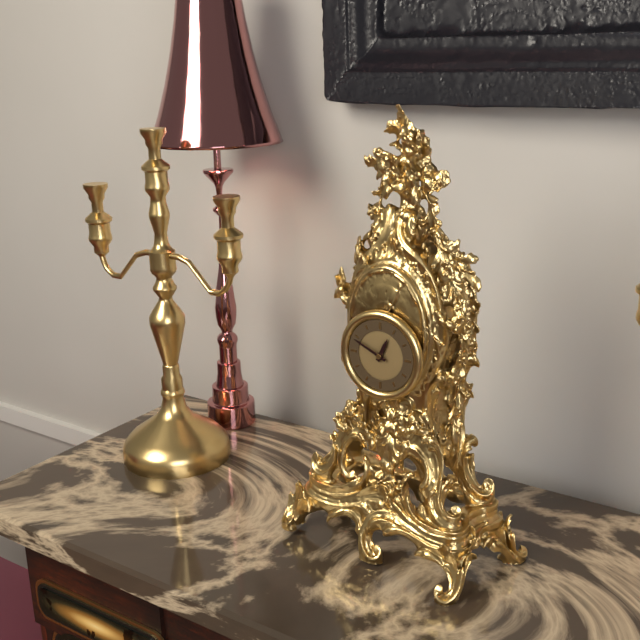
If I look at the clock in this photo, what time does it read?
12:49
